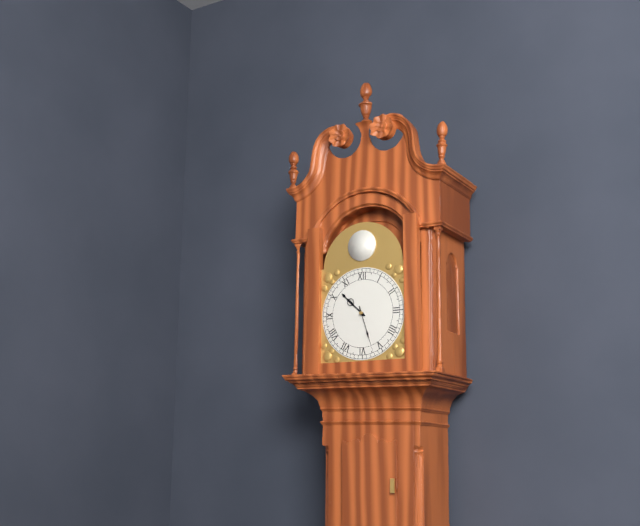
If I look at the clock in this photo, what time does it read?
10:27
